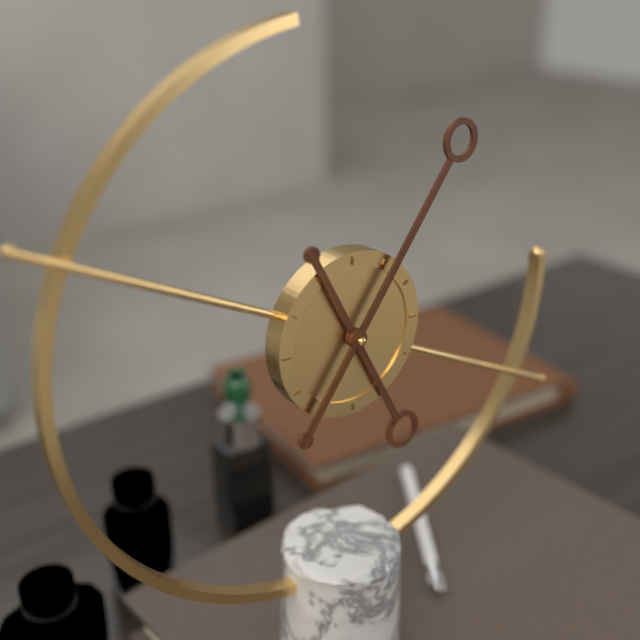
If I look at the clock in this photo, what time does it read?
5:06
